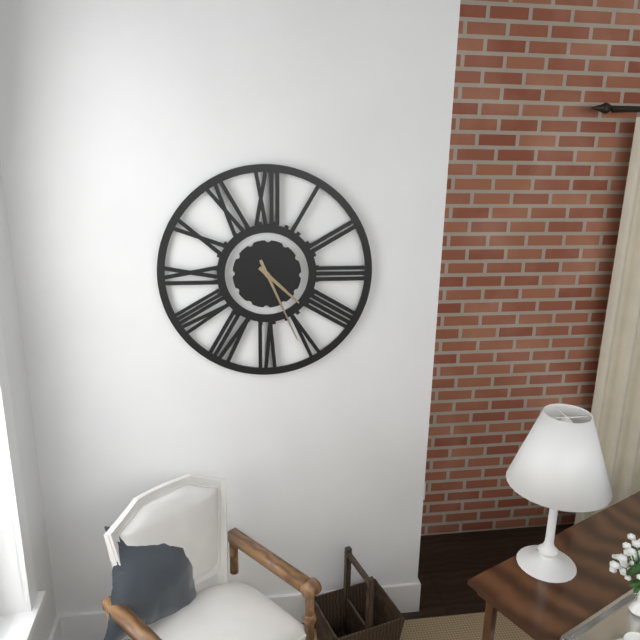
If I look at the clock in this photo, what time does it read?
4:26
